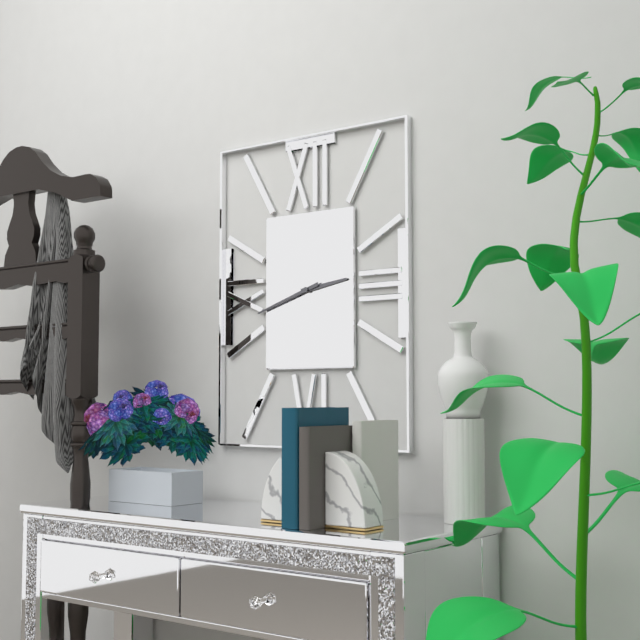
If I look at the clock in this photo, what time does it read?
2:42
